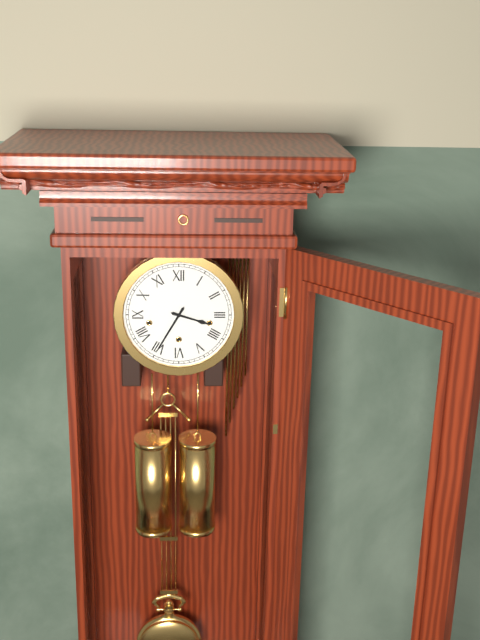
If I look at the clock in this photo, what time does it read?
3:35
